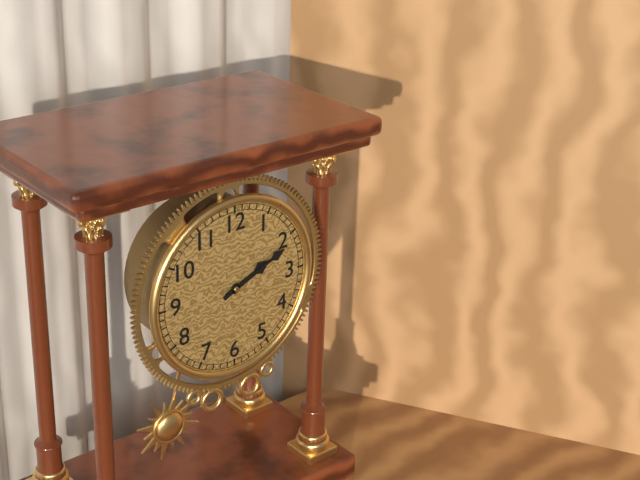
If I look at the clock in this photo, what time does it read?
2:11
